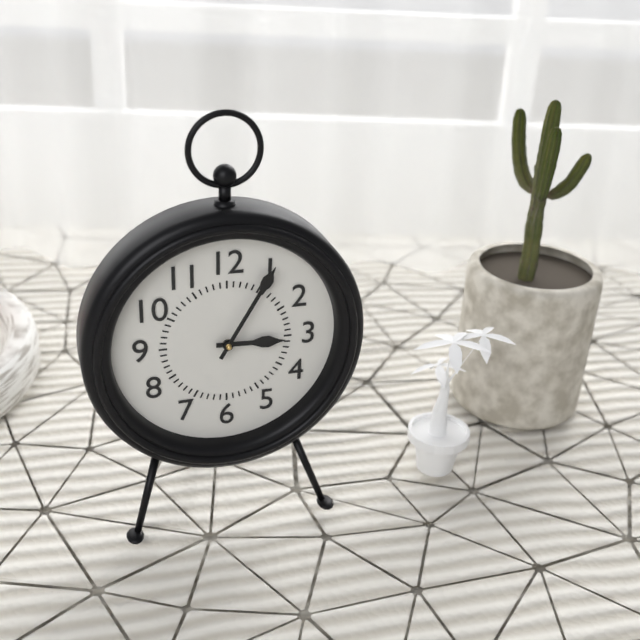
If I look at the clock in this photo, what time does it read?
3:05
